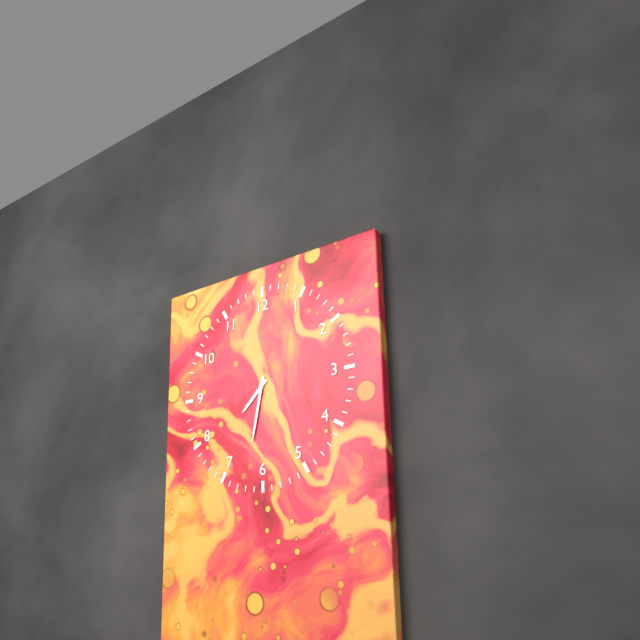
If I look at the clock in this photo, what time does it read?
7:32
